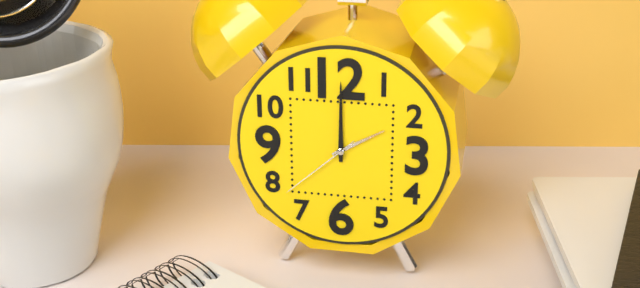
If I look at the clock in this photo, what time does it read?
2:00:38
